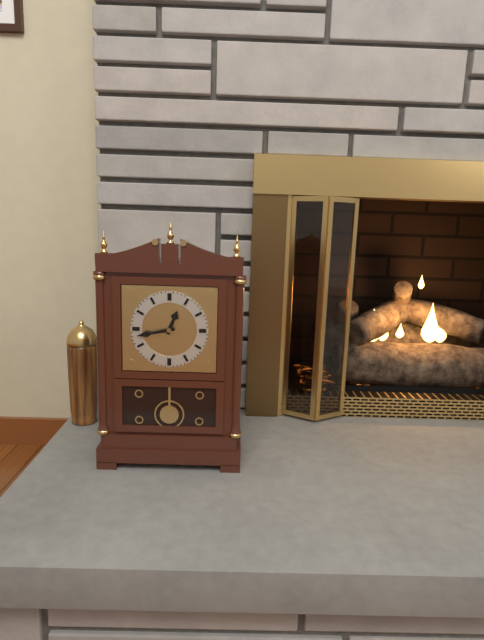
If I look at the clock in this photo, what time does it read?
12:43
